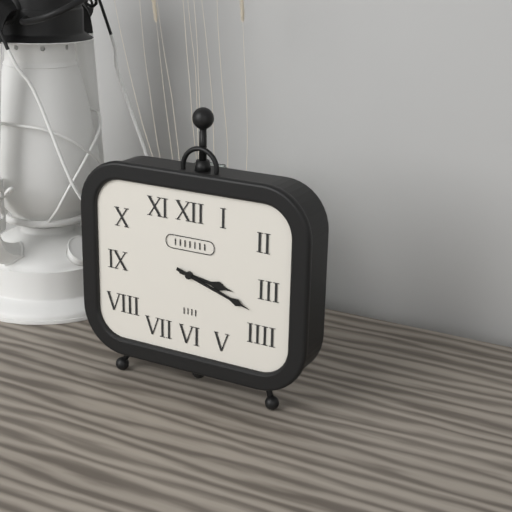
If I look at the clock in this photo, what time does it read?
3:18
